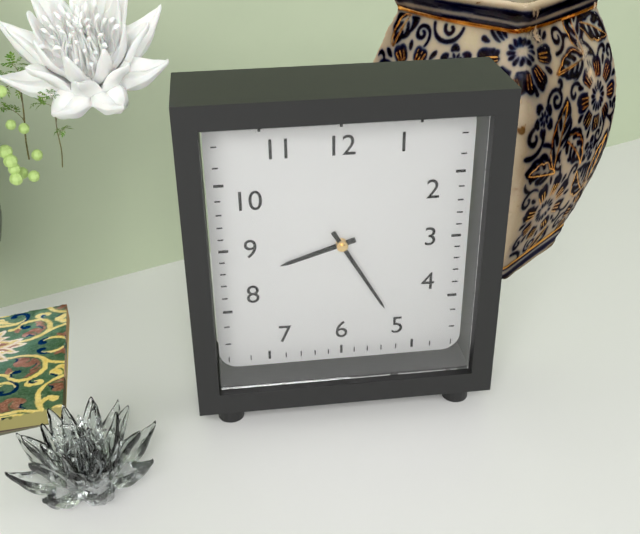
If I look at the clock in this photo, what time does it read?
8:25
